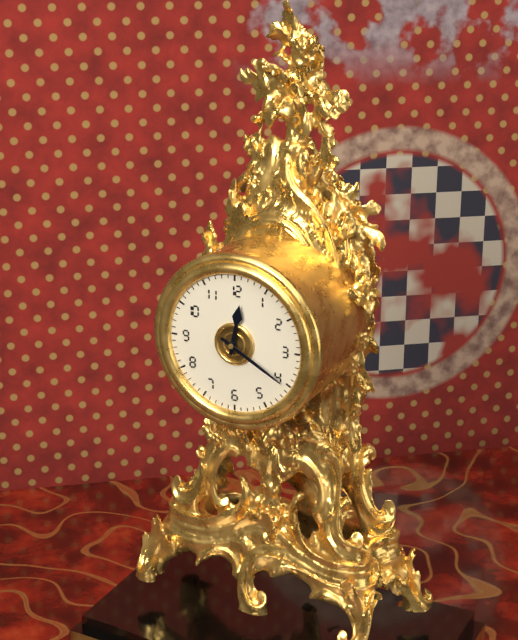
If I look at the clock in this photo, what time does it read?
12:20
